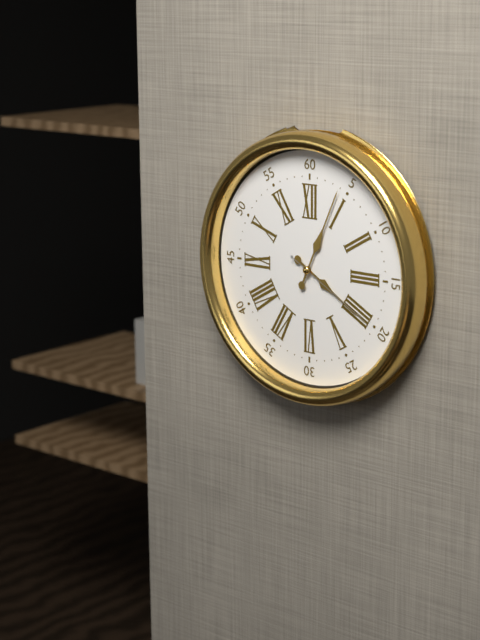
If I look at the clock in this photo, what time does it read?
4:04:20
